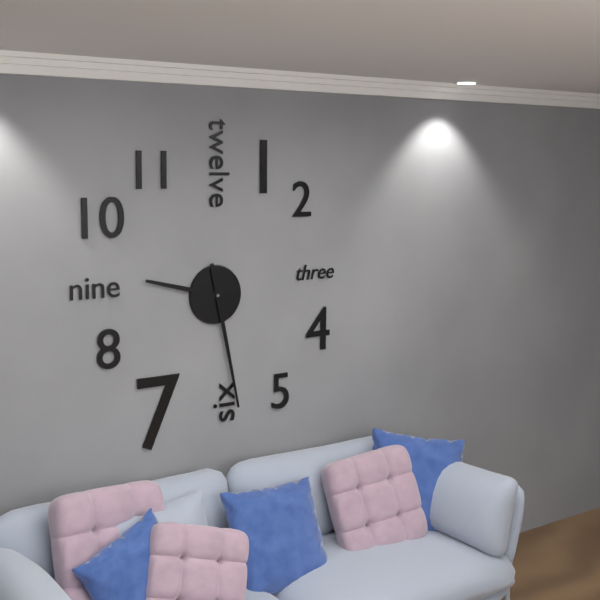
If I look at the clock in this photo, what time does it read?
9:28
